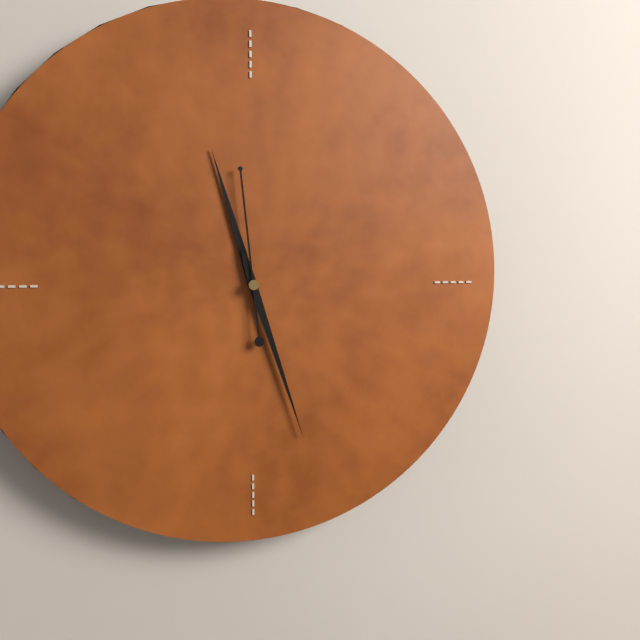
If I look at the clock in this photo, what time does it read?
11:27:59
